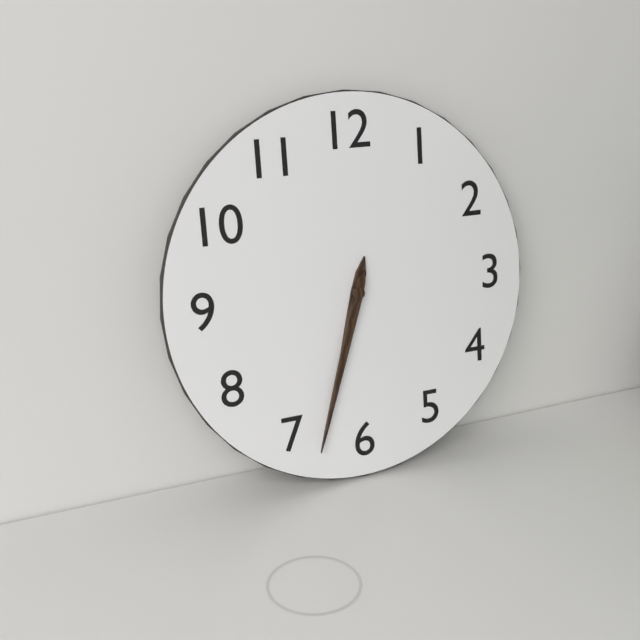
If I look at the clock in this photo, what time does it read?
6:33
